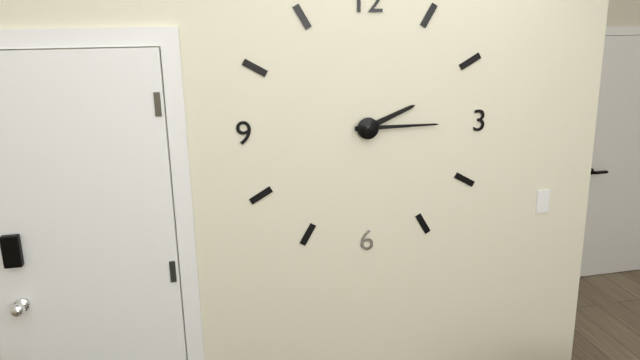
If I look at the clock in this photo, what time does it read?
2:15
